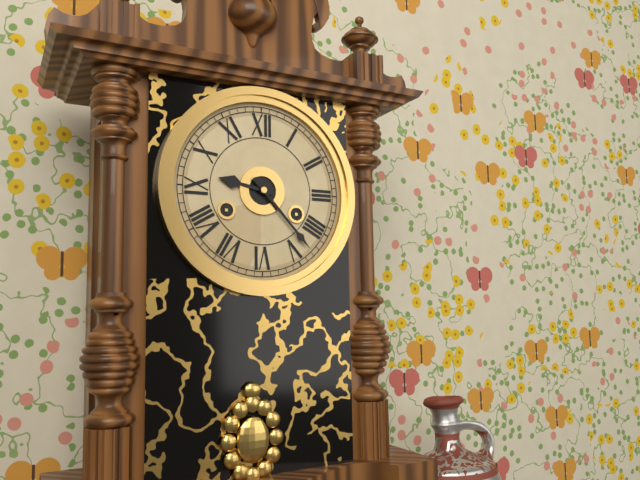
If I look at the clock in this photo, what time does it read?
9:23
